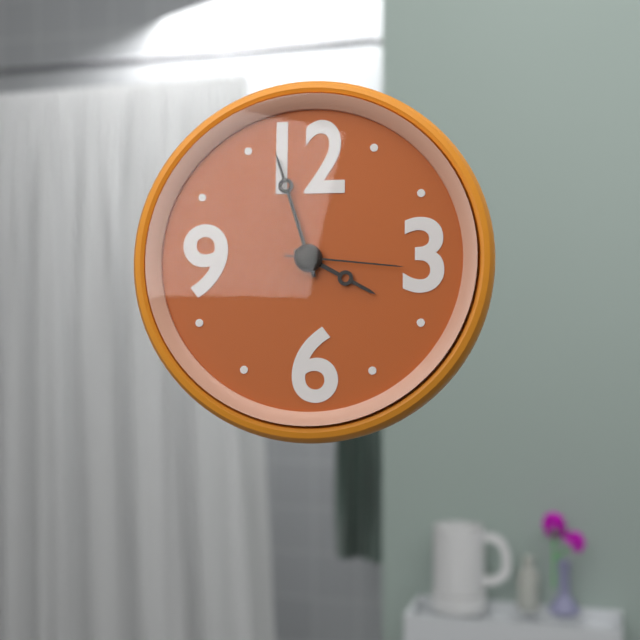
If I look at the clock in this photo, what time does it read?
3:57:16
